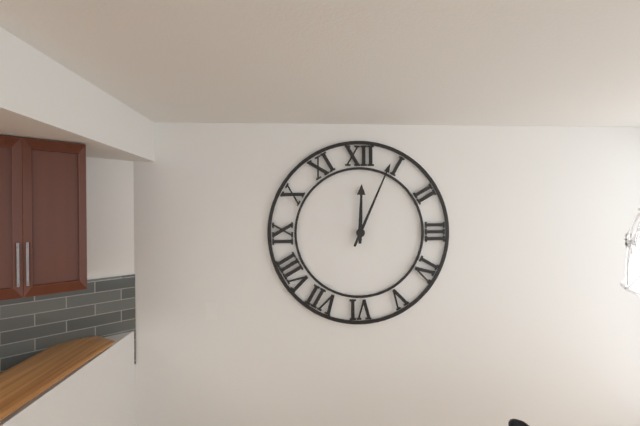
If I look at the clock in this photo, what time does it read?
12:04
